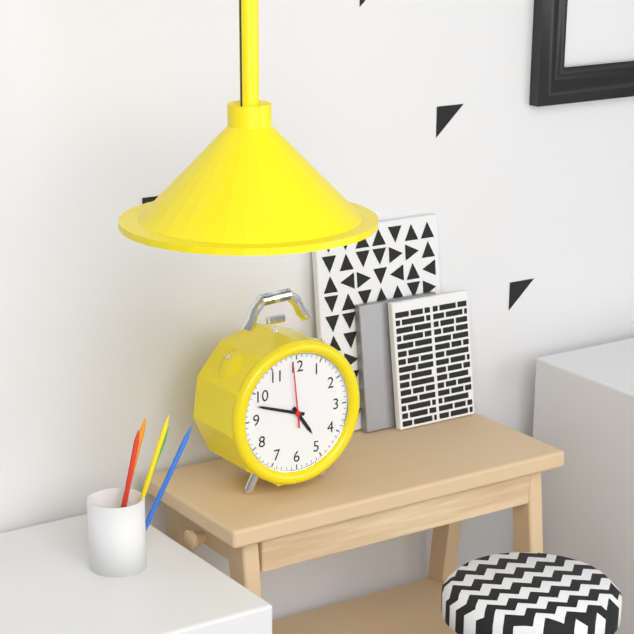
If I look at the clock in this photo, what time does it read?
4:48:59
